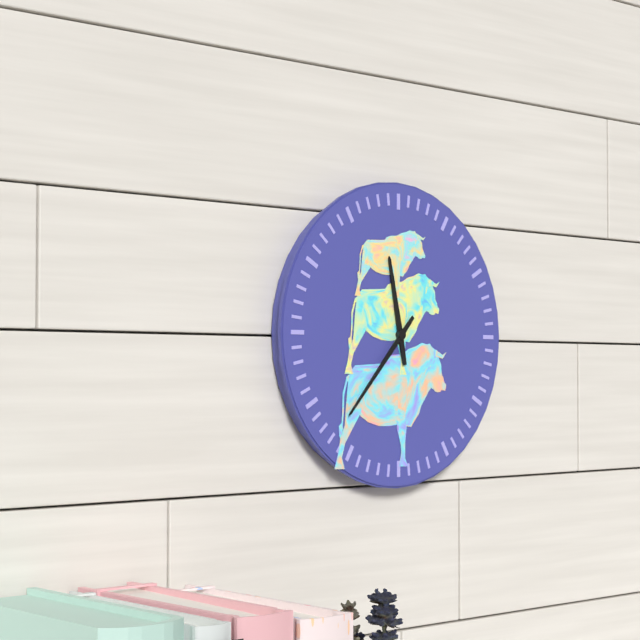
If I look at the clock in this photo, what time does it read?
11:37
